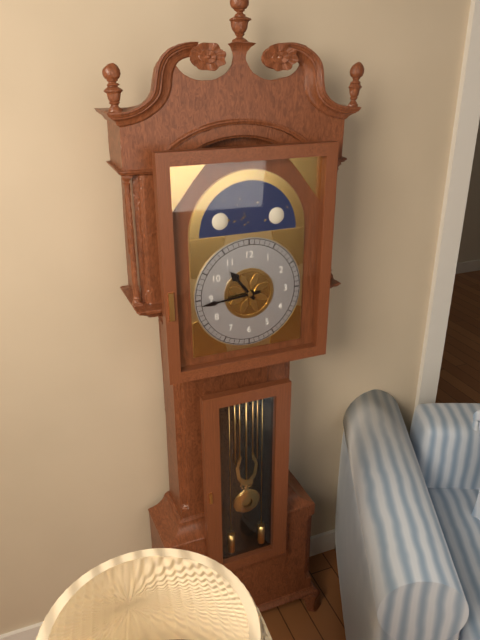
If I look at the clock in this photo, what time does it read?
10:44
